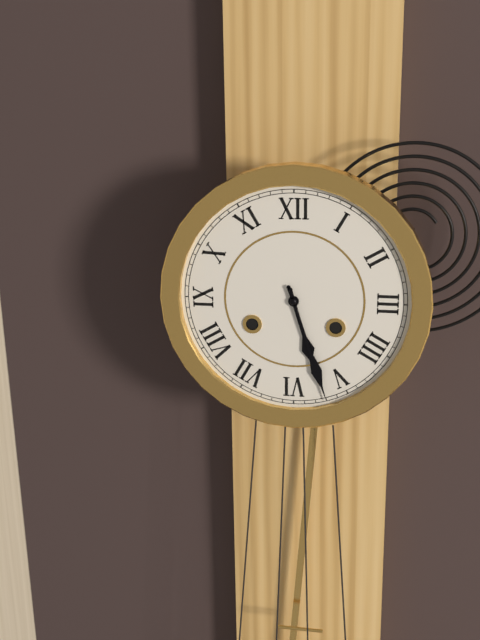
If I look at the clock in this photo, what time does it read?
5:27
